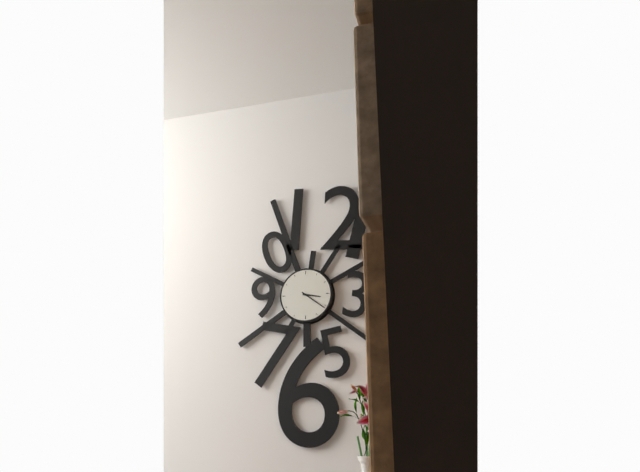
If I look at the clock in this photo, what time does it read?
3:21
